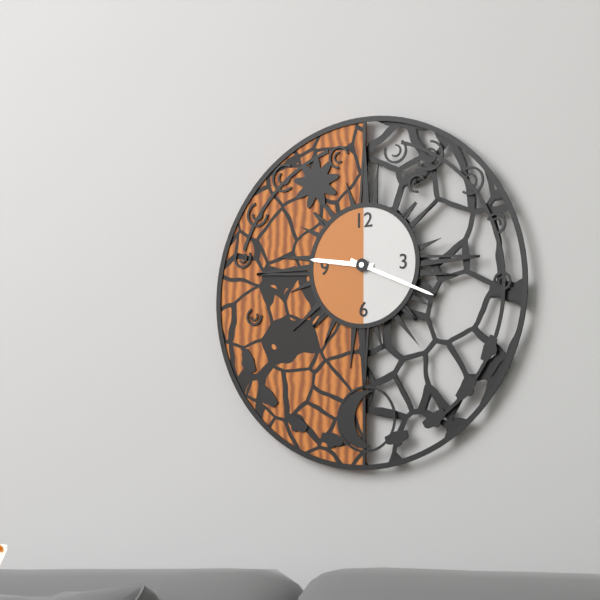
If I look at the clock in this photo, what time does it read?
9:19
